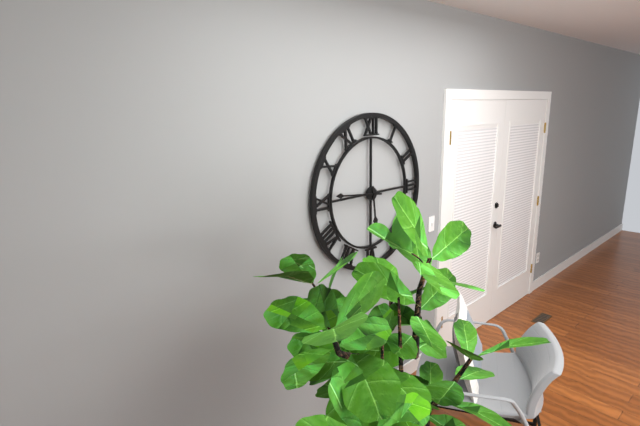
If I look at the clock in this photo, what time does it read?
5:46
